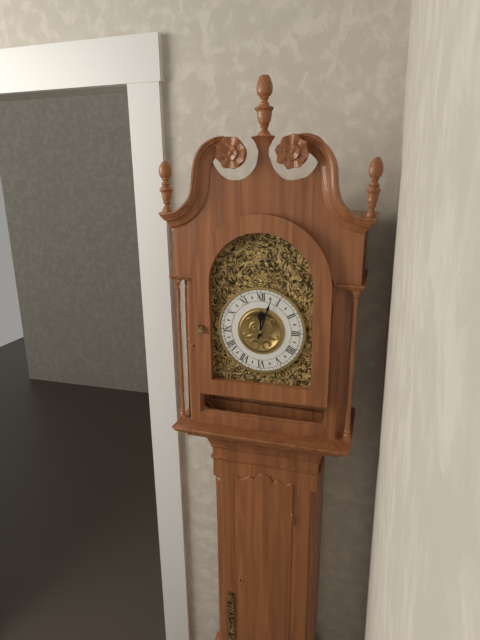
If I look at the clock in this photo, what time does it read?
12:03
